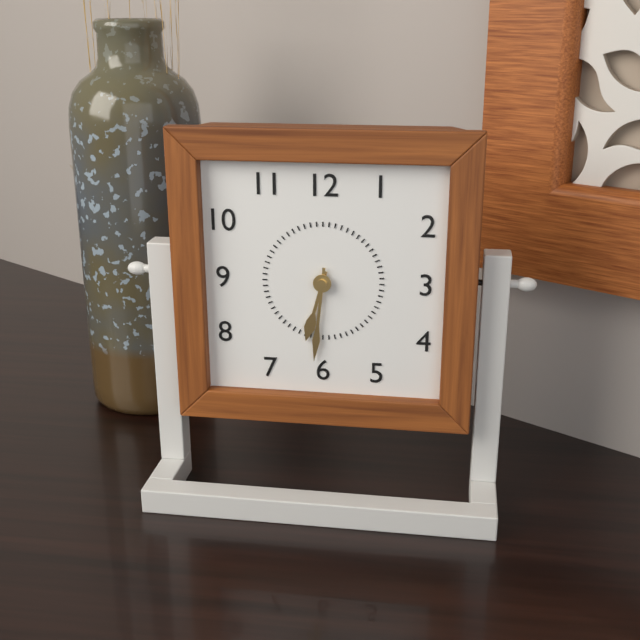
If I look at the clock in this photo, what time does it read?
6:31
